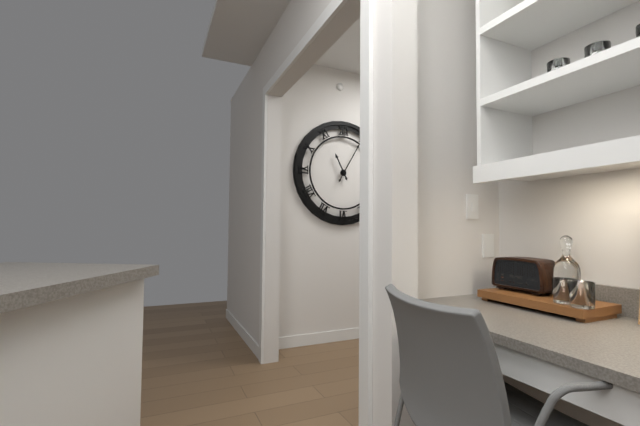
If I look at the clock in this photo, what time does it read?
11:05
